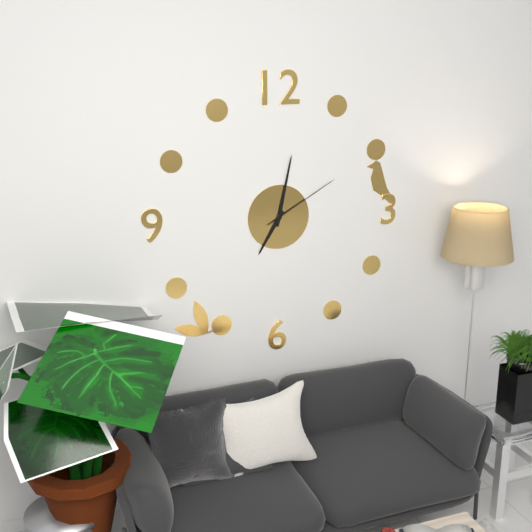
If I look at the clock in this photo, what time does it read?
7:02:10
